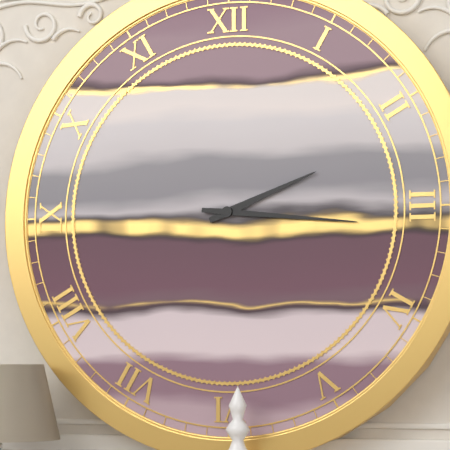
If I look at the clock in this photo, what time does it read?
2:16
